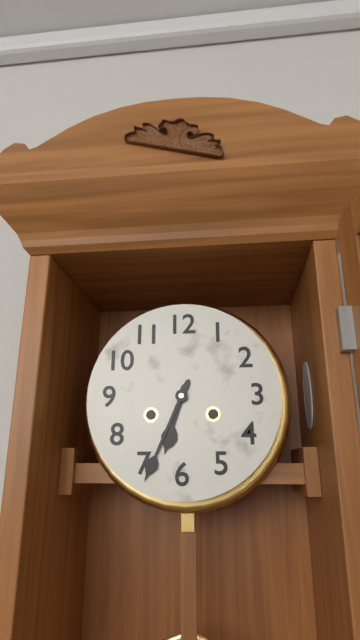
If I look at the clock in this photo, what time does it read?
6:34
